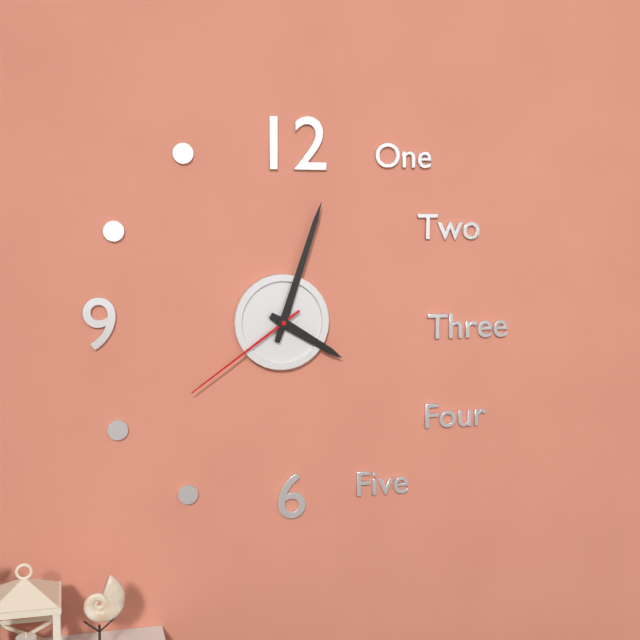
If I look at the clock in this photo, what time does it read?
4:03:39
